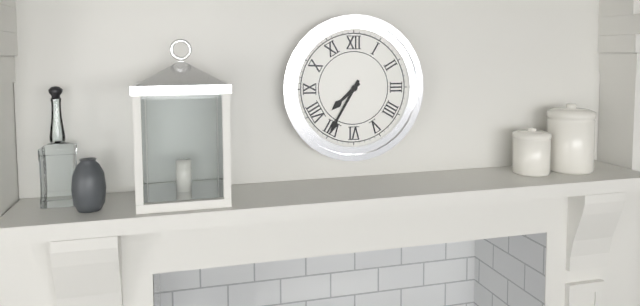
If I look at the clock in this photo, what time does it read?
7:35
